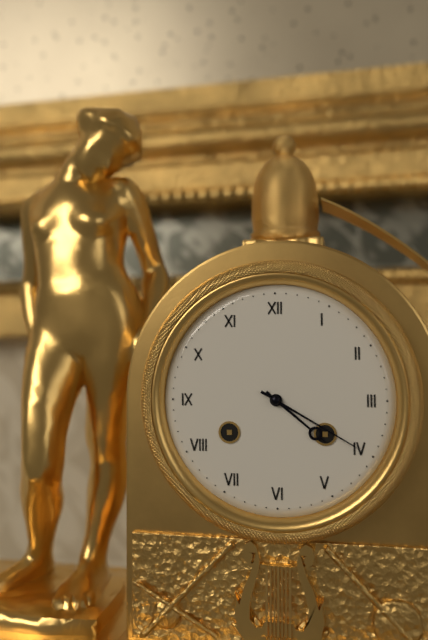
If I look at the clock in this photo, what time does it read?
4:20
